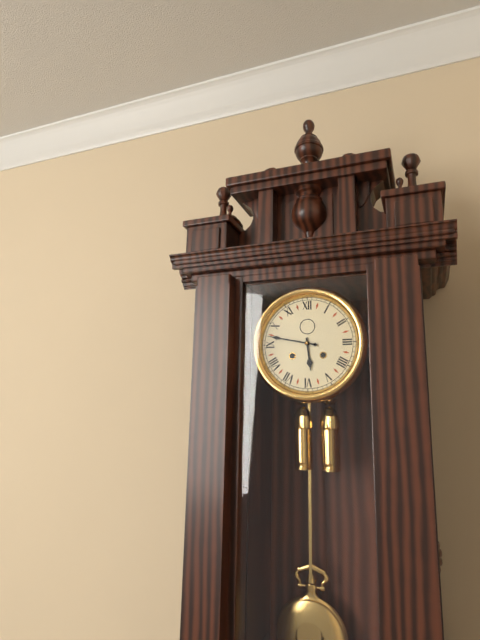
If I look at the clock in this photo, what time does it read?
5:47
